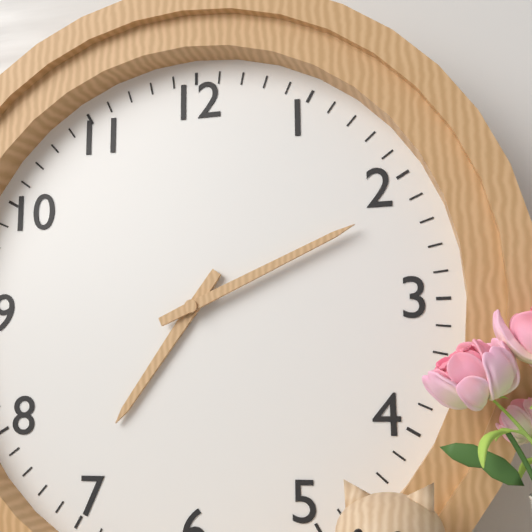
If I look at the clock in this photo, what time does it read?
7:11
